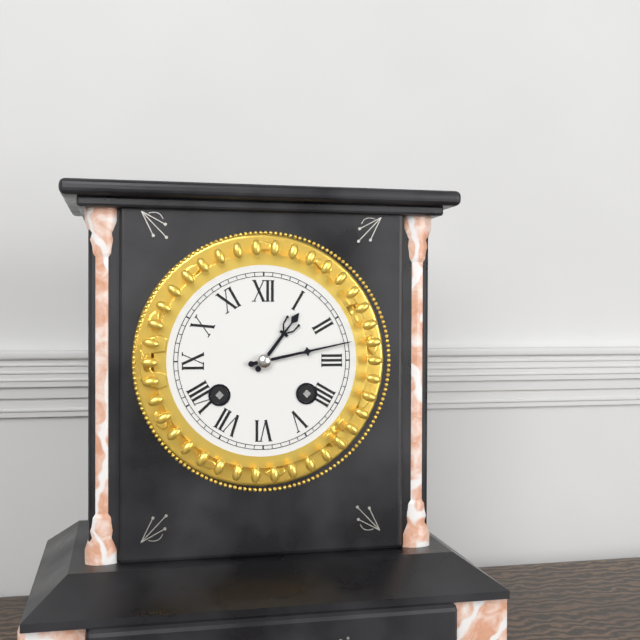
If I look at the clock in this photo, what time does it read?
1:13
